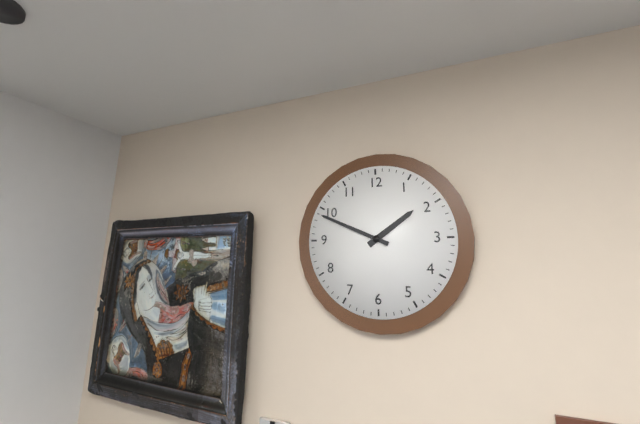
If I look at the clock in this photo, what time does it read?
1:49
